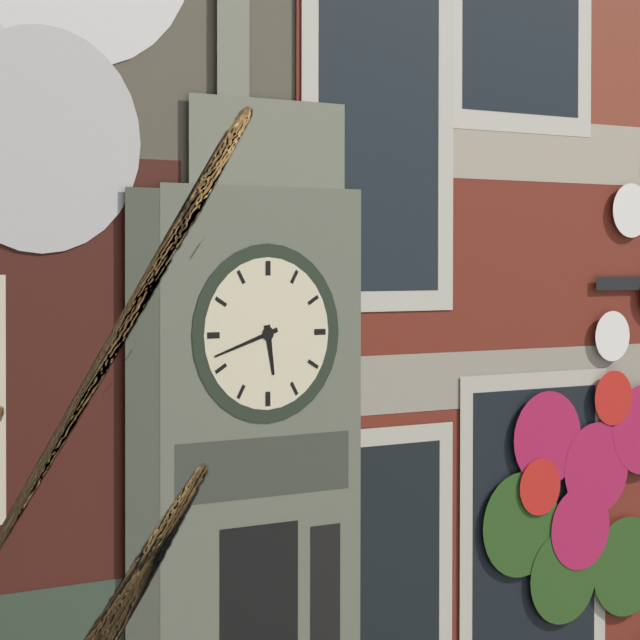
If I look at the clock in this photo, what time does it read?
5:42
